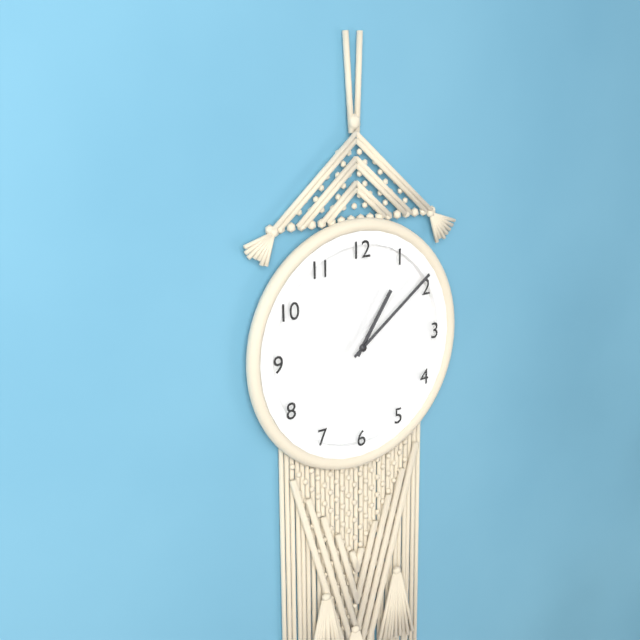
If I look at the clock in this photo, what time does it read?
1:09
